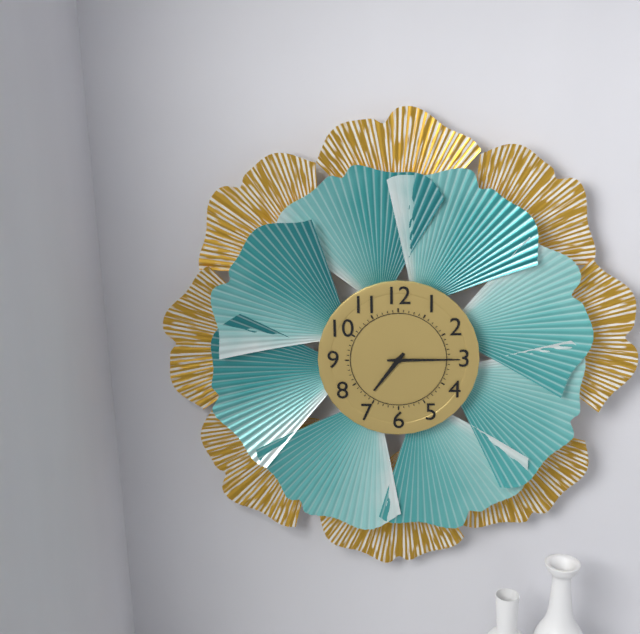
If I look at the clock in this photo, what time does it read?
7:15
